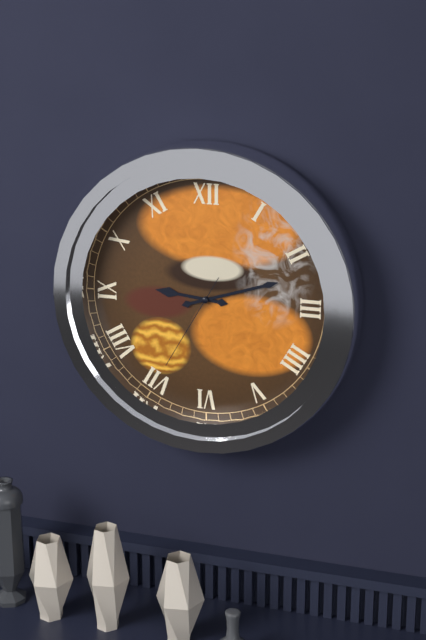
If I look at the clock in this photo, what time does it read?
9:12:35
